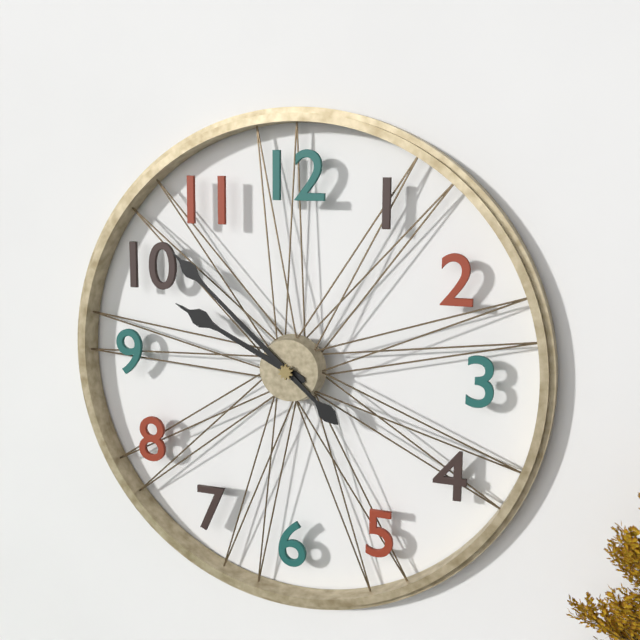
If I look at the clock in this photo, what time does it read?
9:52
